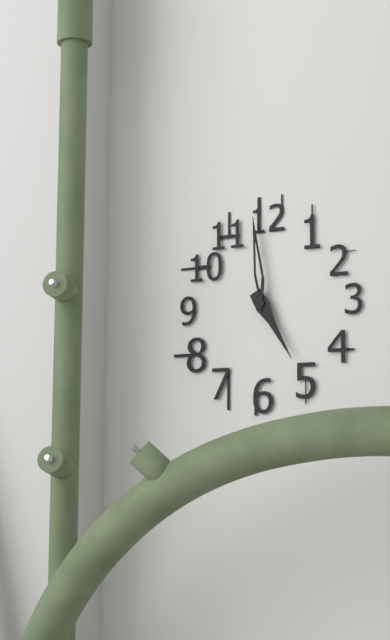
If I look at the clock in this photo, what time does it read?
4:59
